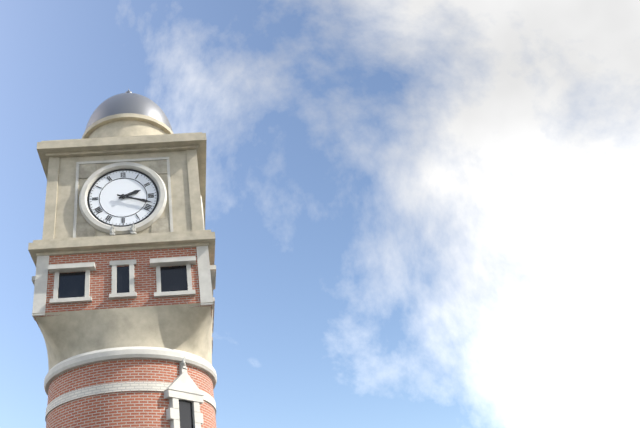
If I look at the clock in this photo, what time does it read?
2:18
